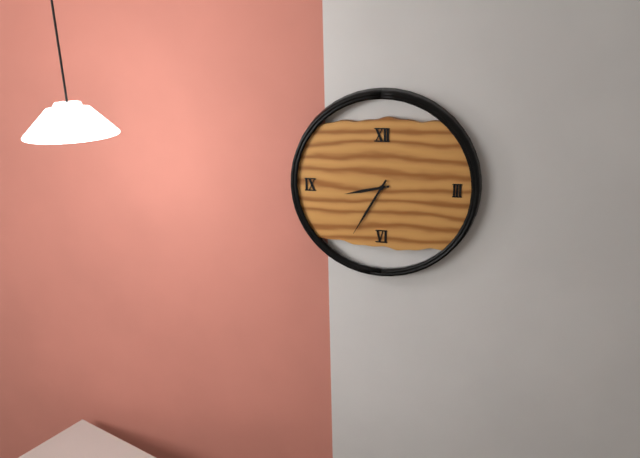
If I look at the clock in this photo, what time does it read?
8:35
